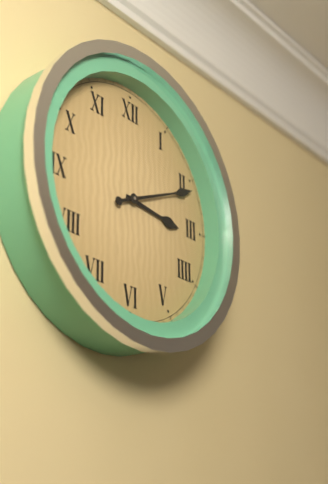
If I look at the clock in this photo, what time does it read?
3:11
